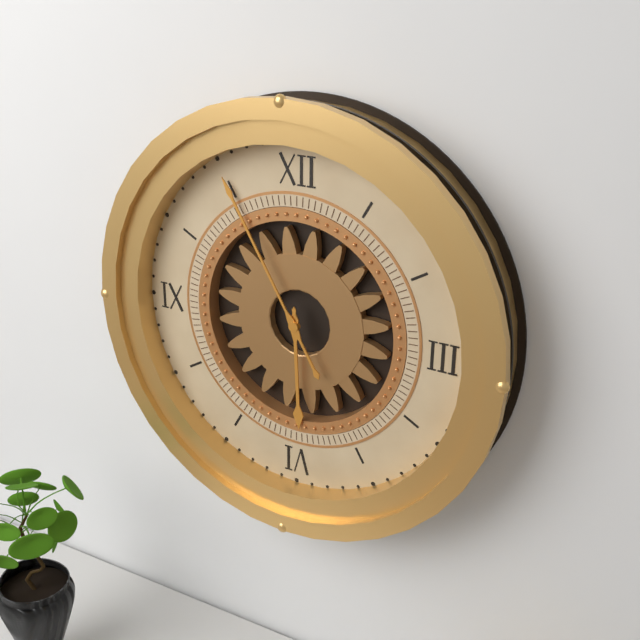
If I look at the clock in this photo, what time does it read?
5:55
